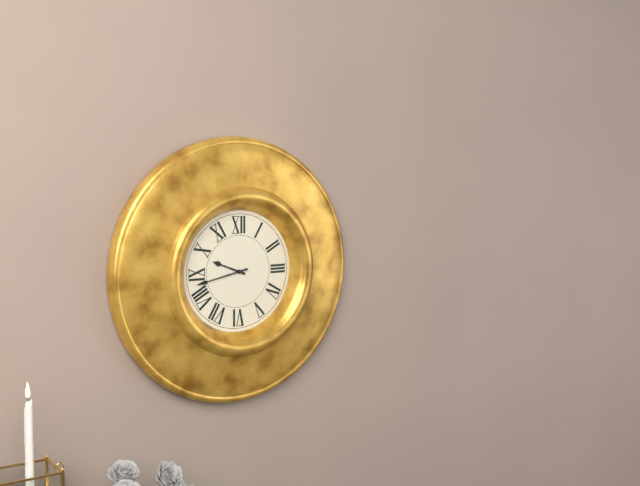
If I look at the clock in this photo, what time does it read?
9:43
